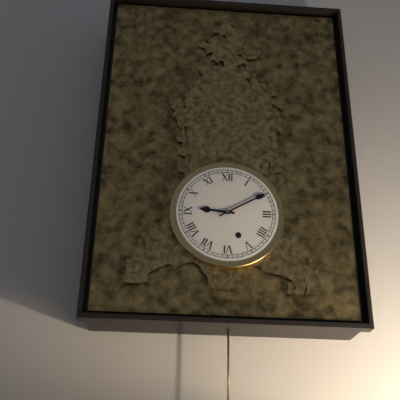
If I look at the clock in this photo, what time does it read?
9:10
